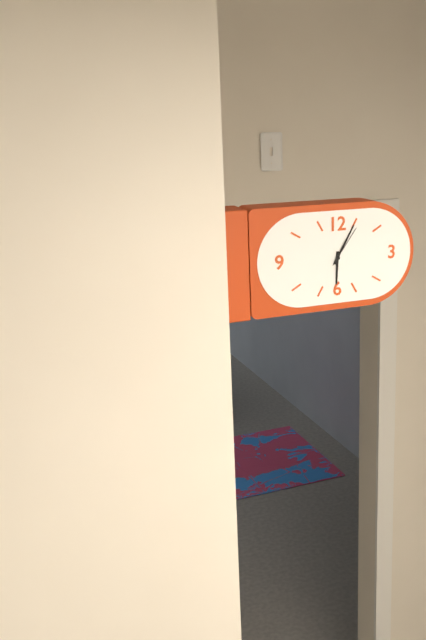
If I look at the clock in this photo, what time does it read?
6:05
